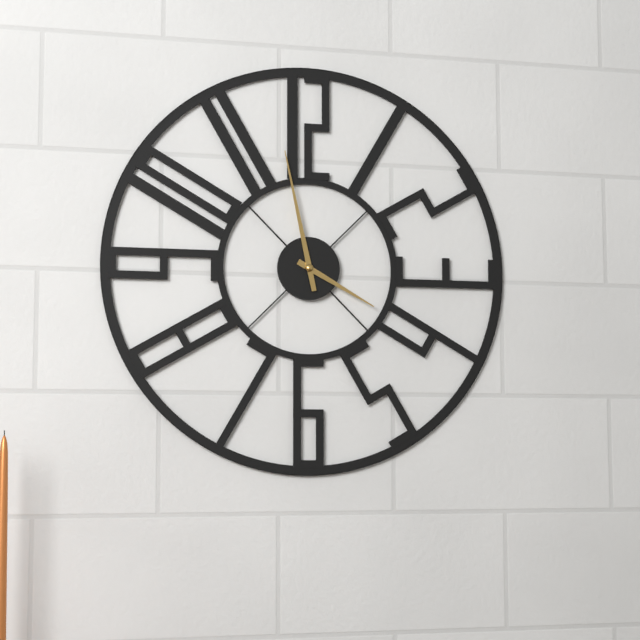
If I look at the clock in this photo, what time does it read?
3:58
